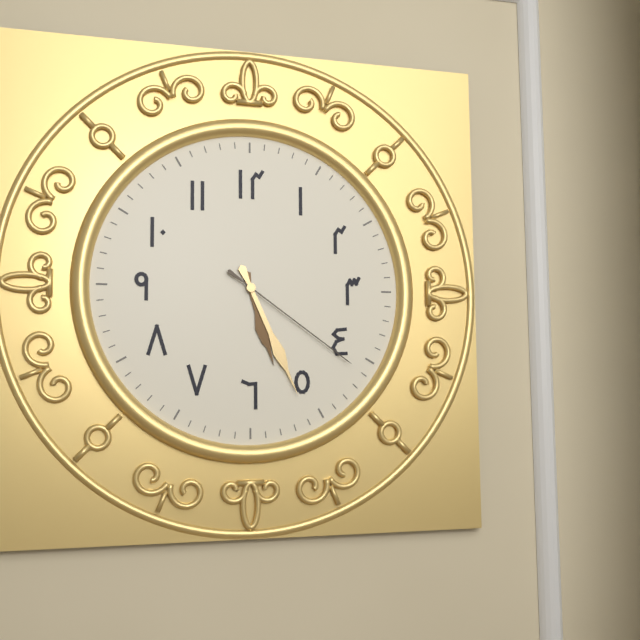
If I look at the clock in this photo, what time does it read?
5:26:21
